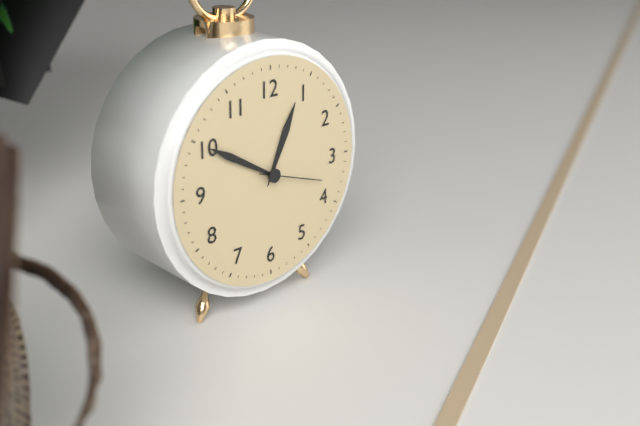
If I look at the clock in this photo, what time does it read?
12:50:18
